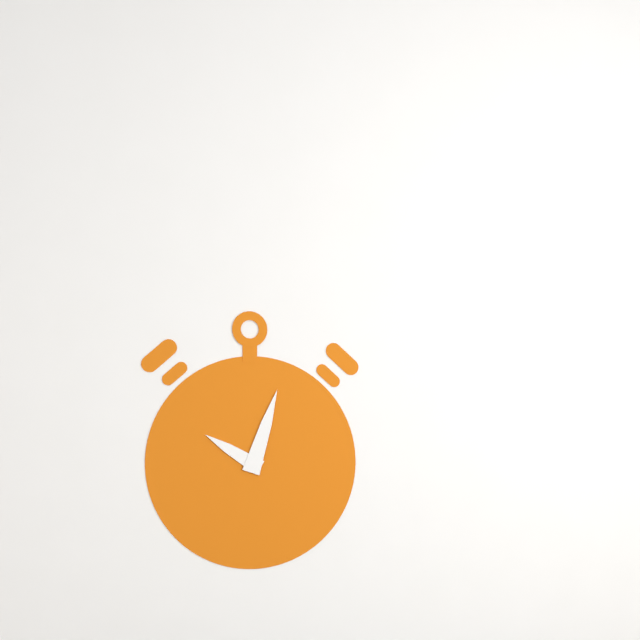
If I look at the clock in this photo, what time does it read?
10:03
